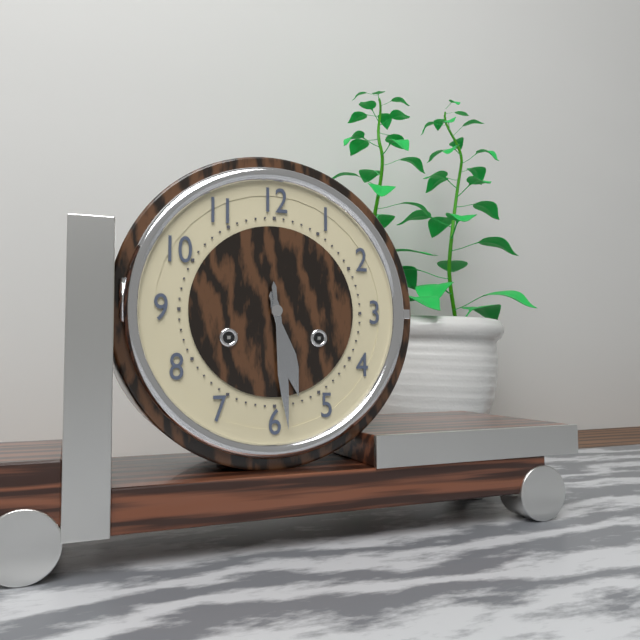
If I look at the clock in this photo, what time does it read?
5:29
